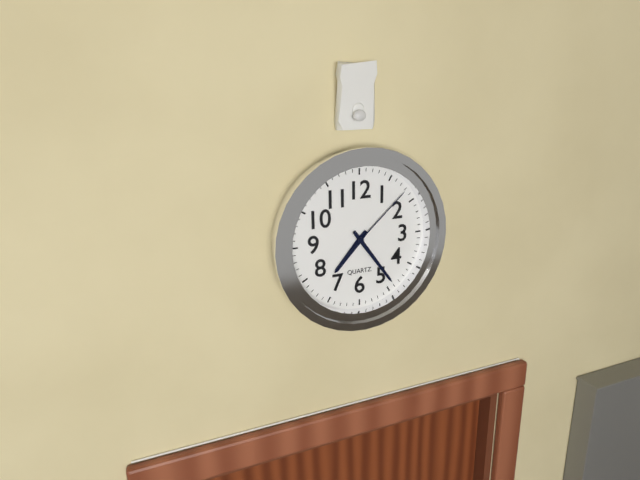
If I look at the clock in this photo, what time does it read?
7:24:08
